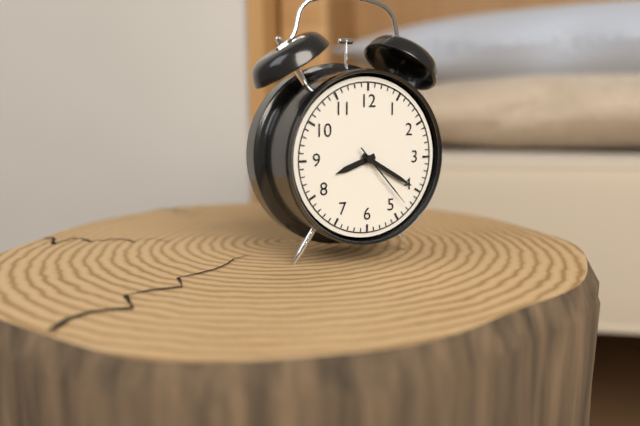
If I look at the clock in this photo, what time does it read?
8:20:23
